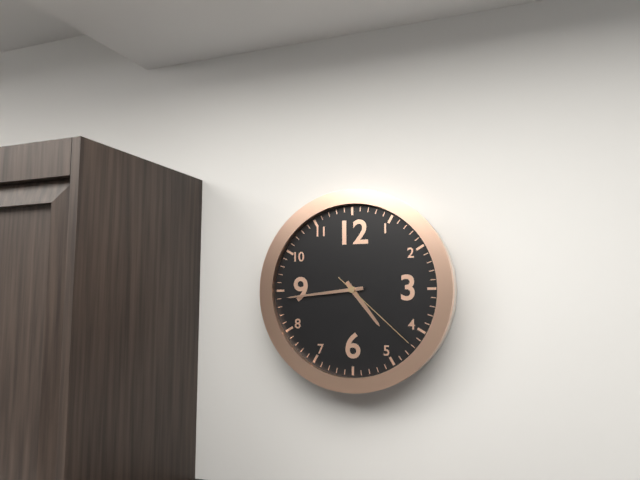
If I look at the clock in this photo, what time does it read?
4:44:22
